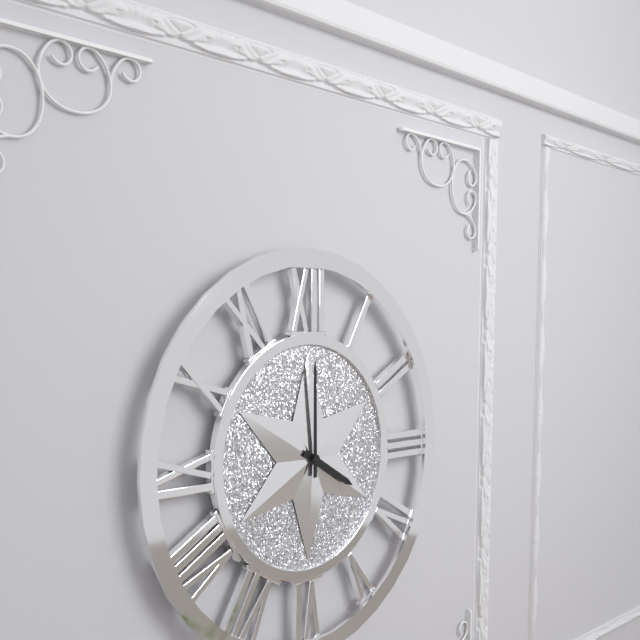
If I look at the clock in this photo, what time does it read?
4:00
